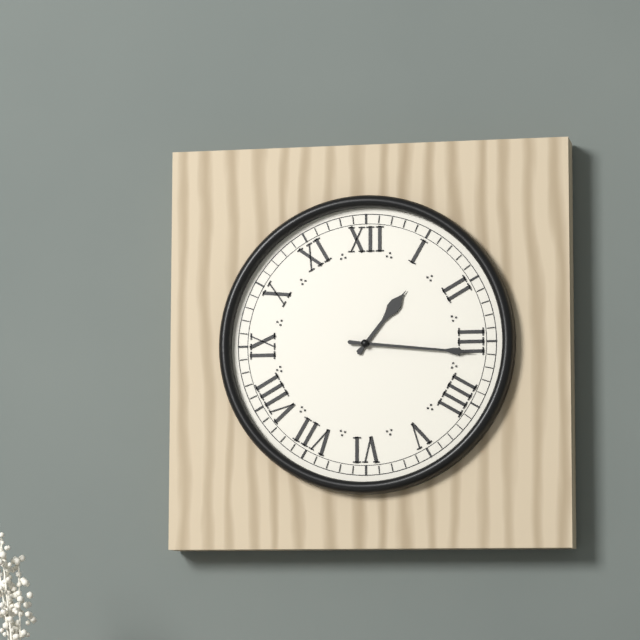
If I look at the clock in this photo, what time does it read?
1:16
